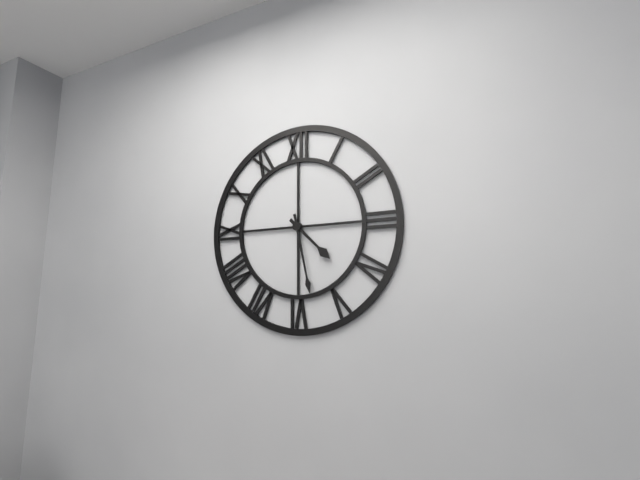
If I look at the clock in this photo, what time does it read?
4:28
